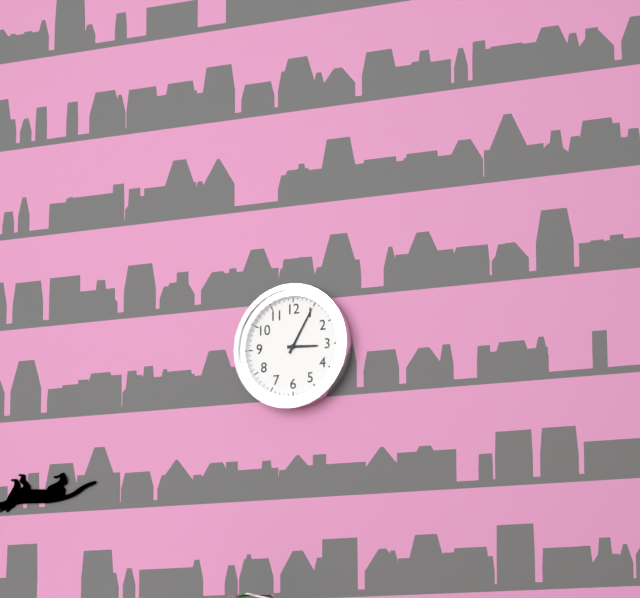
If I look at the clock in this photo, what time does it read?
3:05
